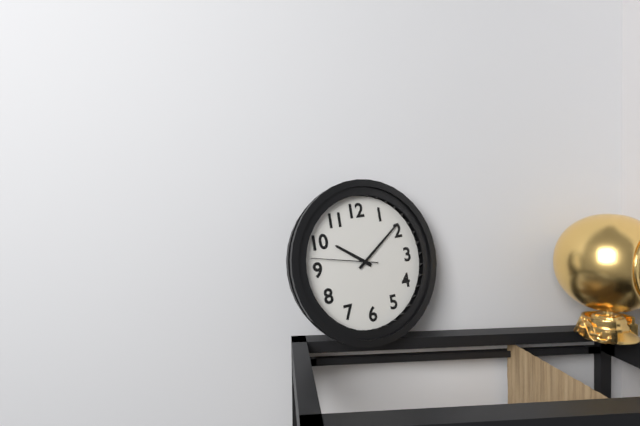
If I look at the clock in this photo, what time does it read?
10:09:47
